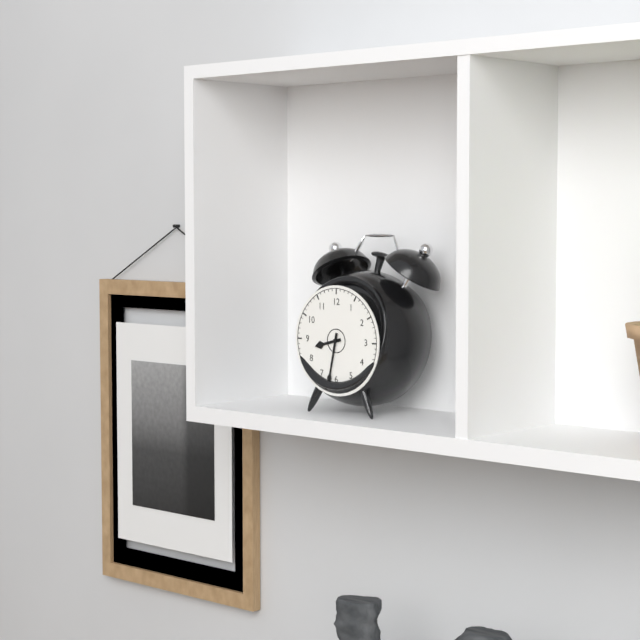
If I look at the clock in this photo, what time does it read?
8:32
